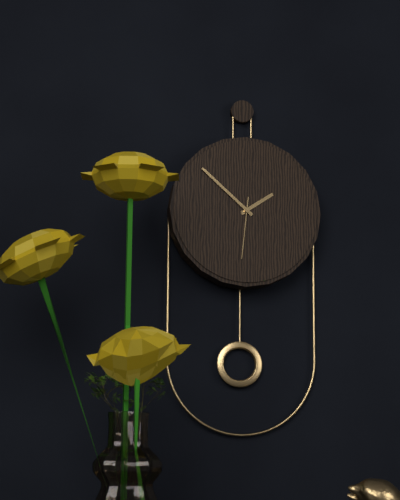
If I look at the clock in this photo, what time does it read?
1:52:31
